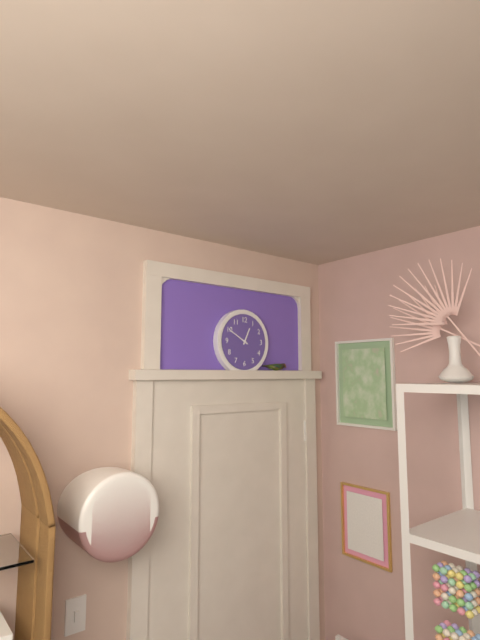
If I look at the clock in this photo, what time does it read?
12:50
